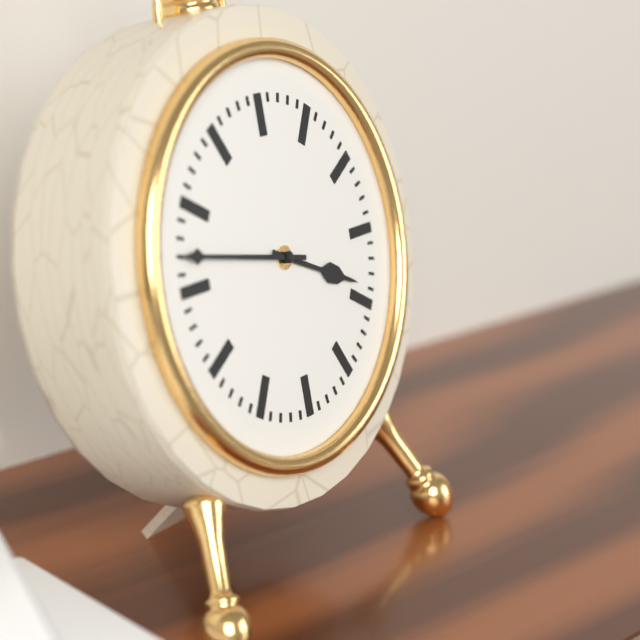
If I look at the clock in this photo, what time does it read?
3:47
